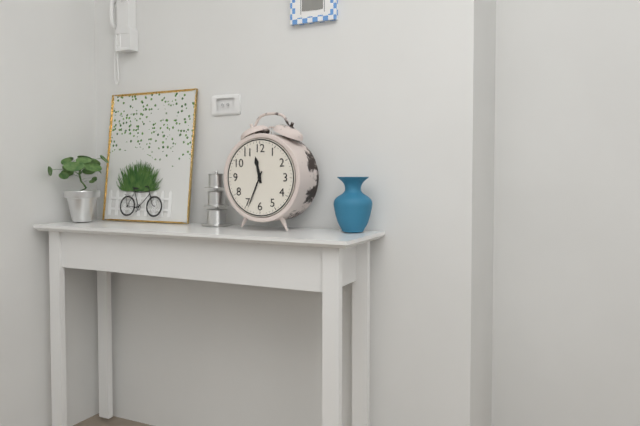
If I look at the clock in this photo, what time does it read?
11:34
